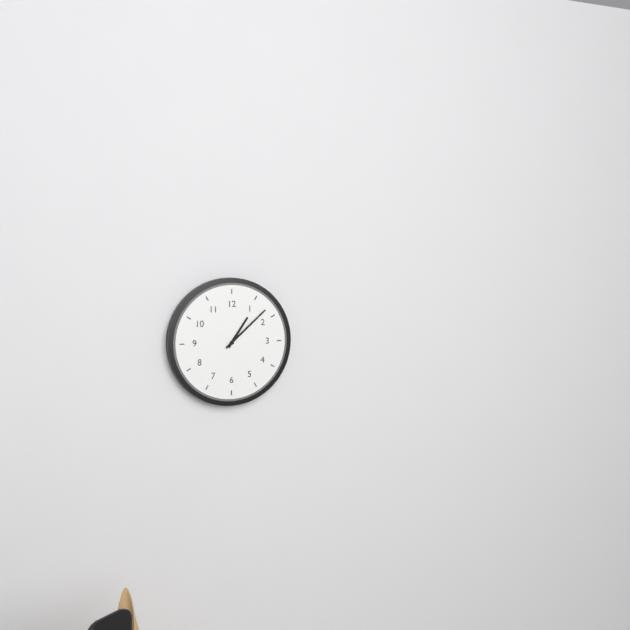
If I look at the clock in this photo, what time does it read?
1:08
